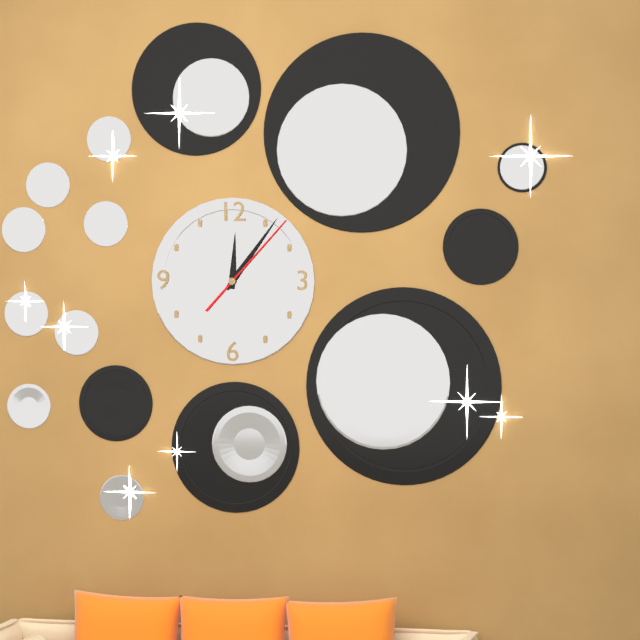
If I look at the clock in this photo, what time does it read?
12:06:07
